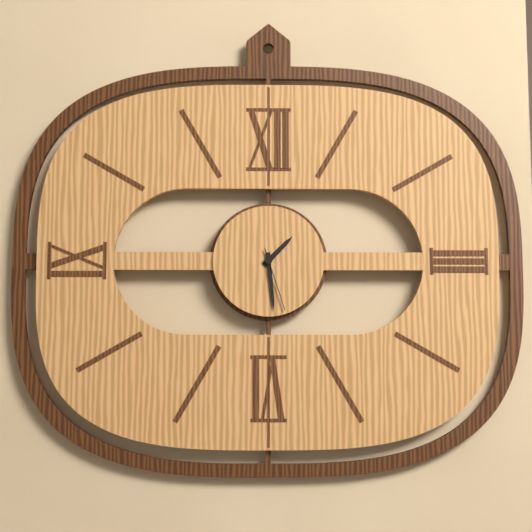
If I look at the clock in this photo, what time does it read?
1:29:27
